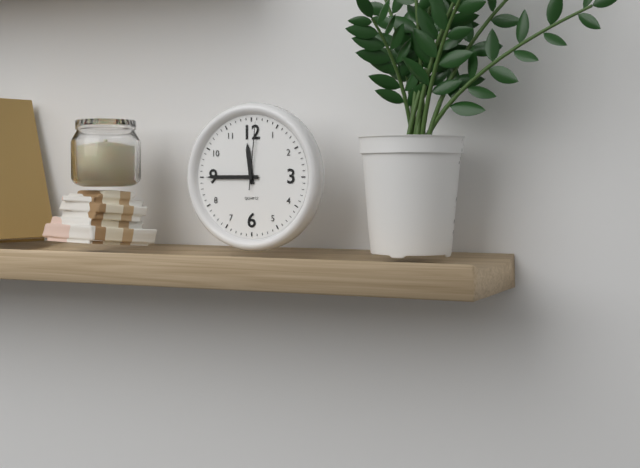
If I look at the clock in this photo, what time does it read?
11:45:01
